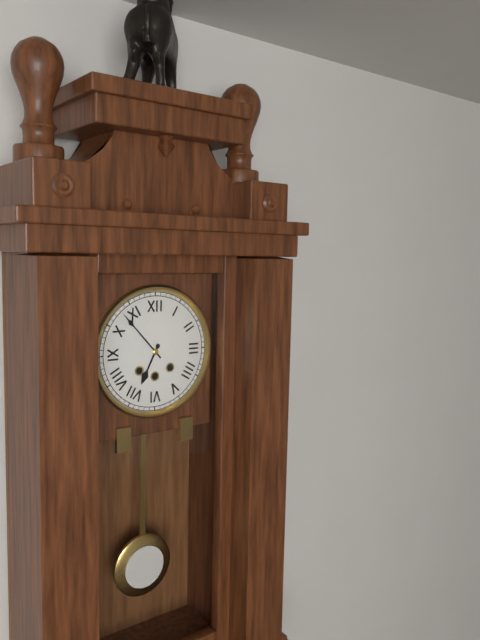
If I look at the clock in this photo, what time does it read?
6:53
